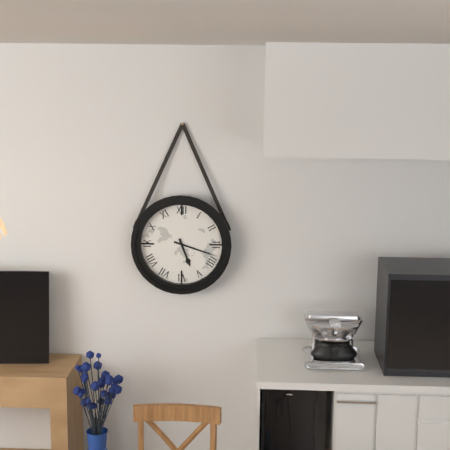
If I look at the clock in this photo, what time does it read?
5:18
